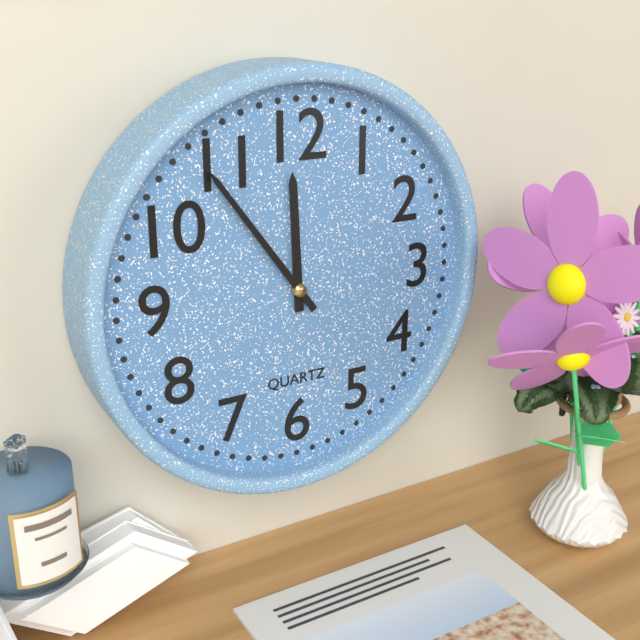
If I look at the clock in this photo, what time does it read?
11:54
